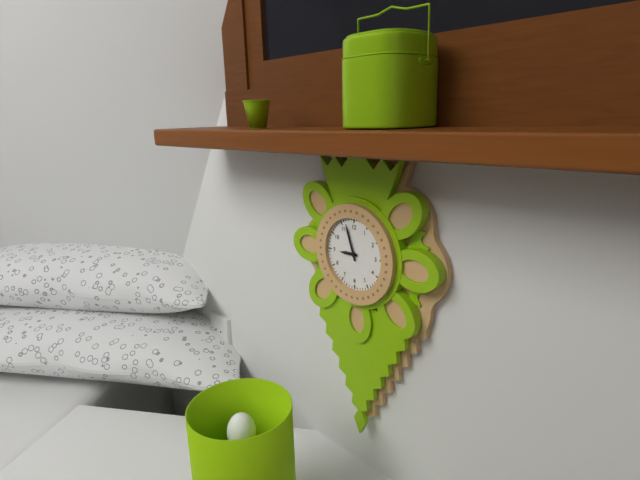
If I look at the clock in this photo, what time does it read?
8:57
